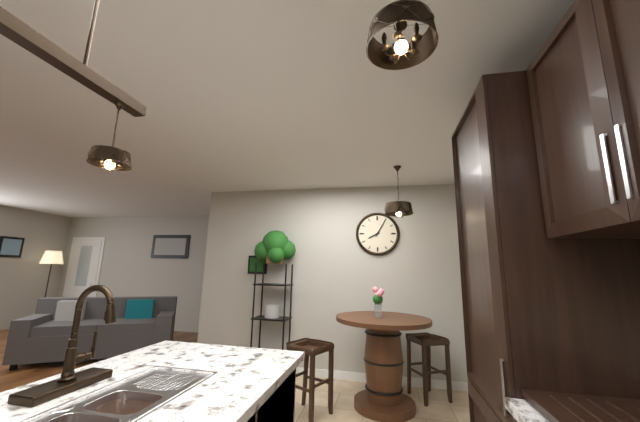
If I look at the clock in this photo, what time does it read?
8:05
